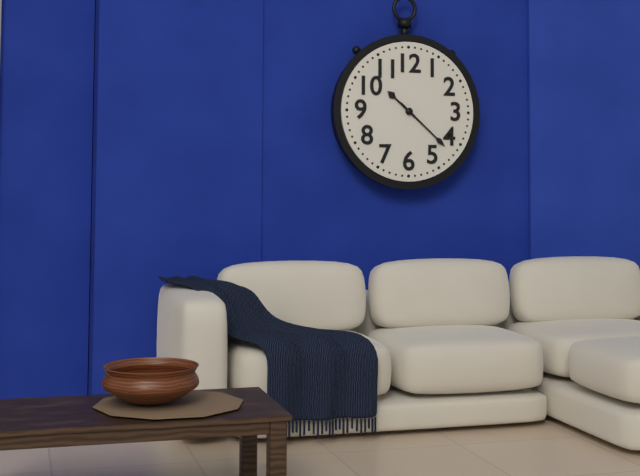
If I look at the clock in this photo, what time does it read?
10:22
